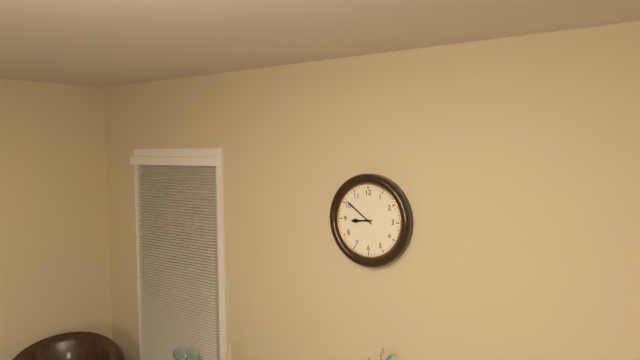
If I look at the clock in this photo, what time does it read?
8:51
